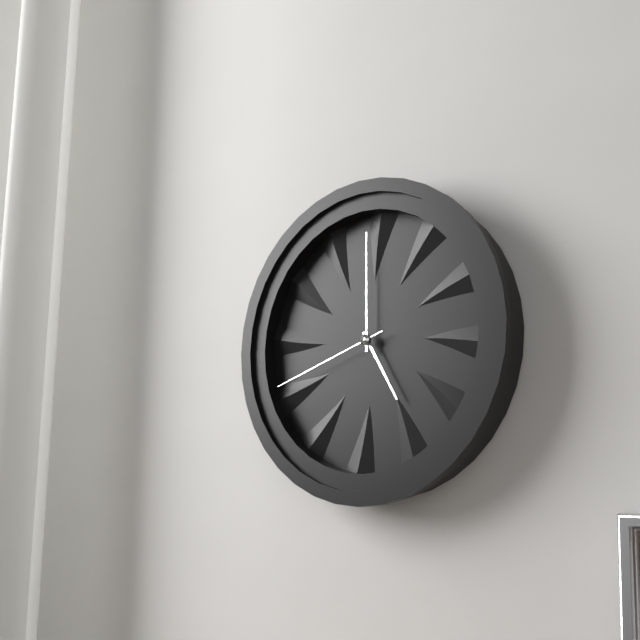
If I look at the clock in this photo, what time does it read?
5:00:42
